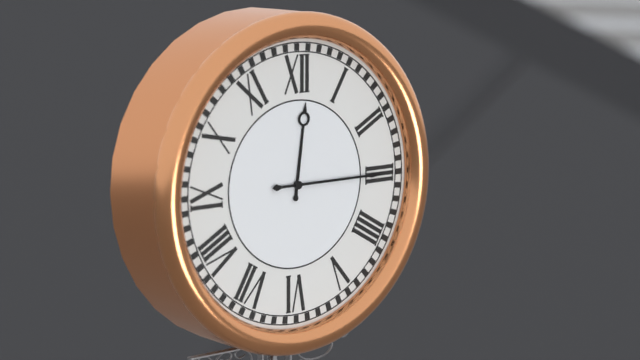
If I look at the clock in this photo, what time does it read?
12:15
